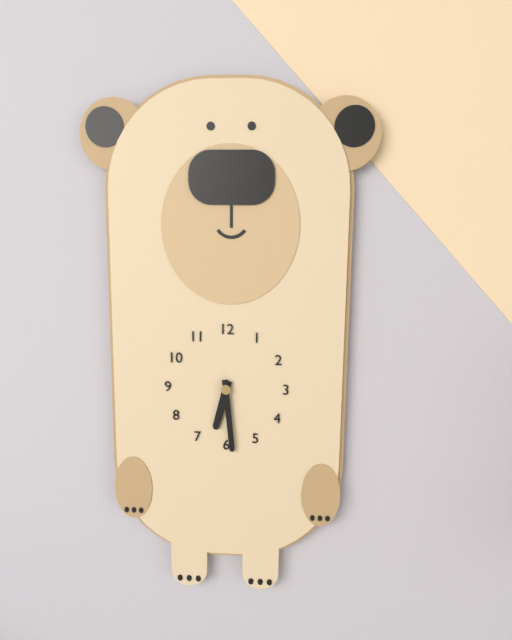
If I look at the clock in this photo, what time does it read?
6:29
